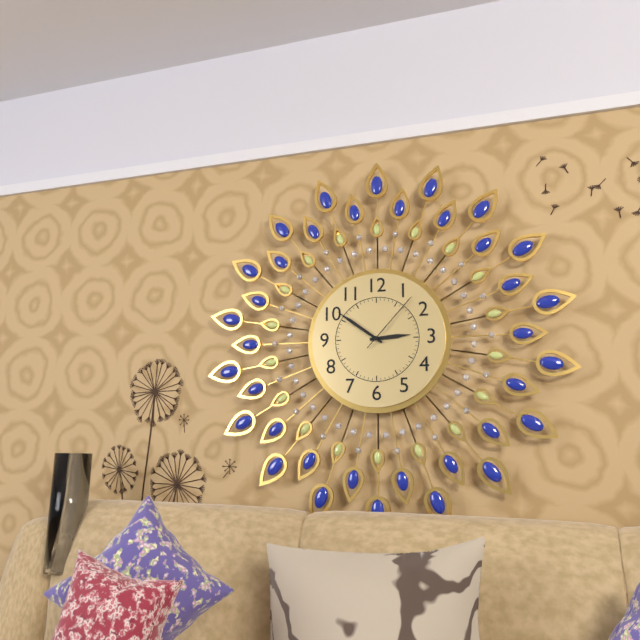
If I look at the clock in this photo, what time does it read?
2:51:07
